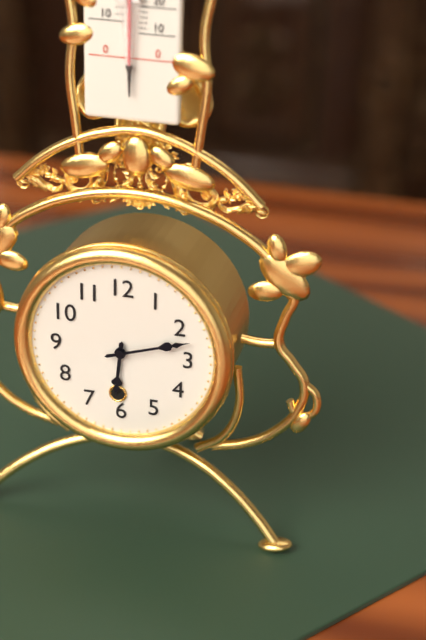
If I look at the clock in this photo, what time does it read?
6:12
